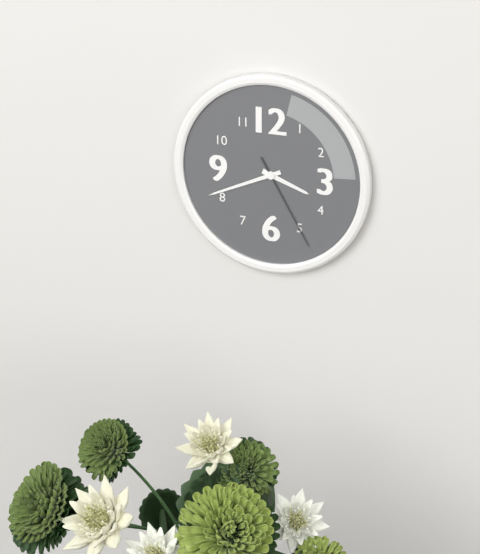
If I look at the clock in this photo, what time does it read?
3:41:25
